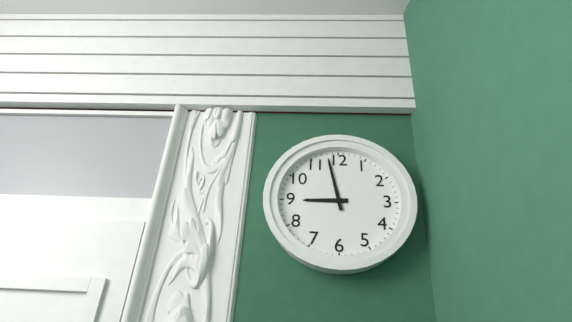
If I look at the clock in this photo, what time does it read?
8:58
